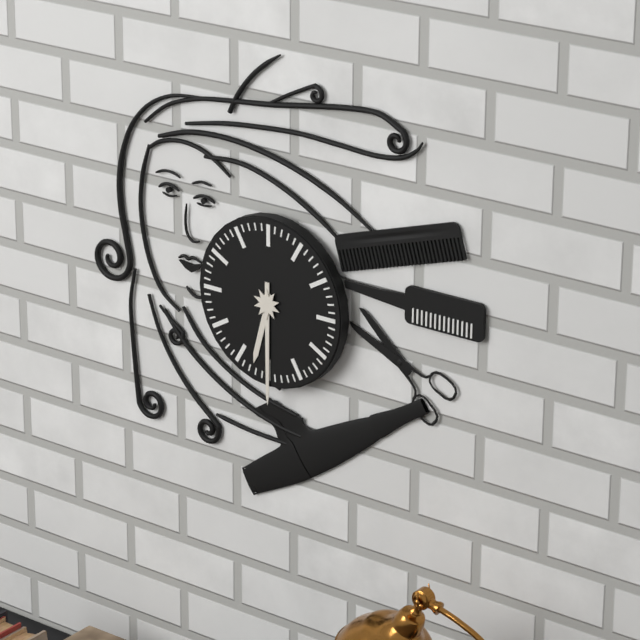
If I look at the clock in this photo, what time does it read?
6:30
